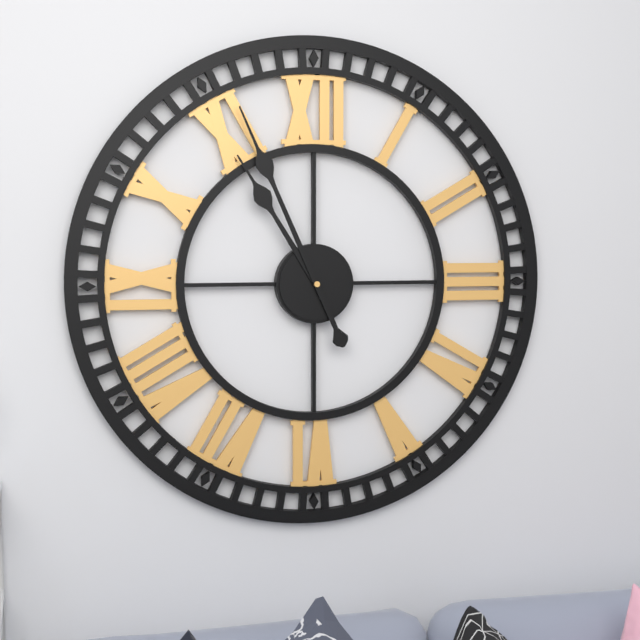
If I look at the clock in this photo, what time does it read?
10:56
